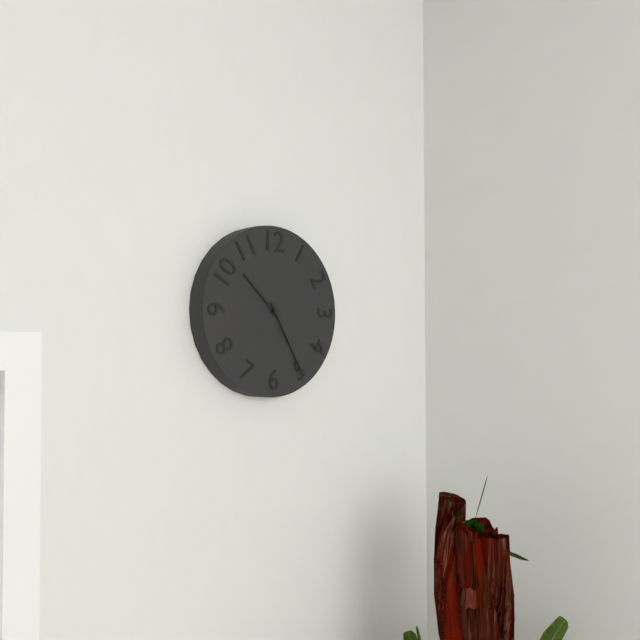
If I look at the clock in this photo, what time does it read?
10:25
